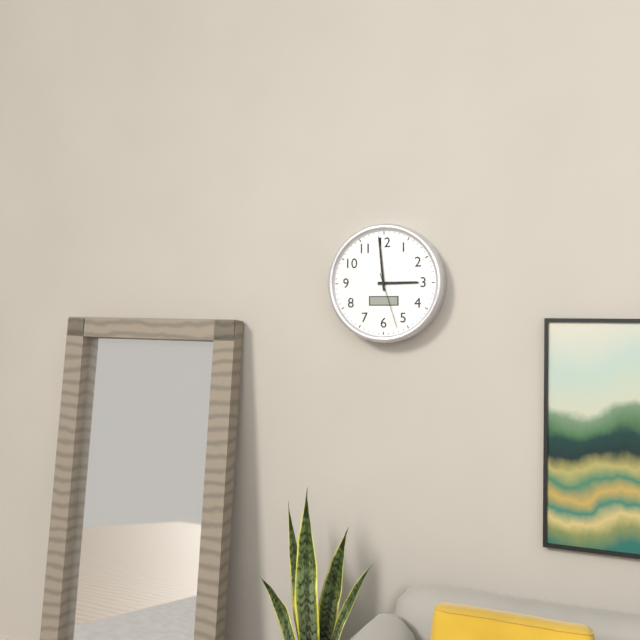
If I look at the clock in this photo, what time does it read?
2:59:27
